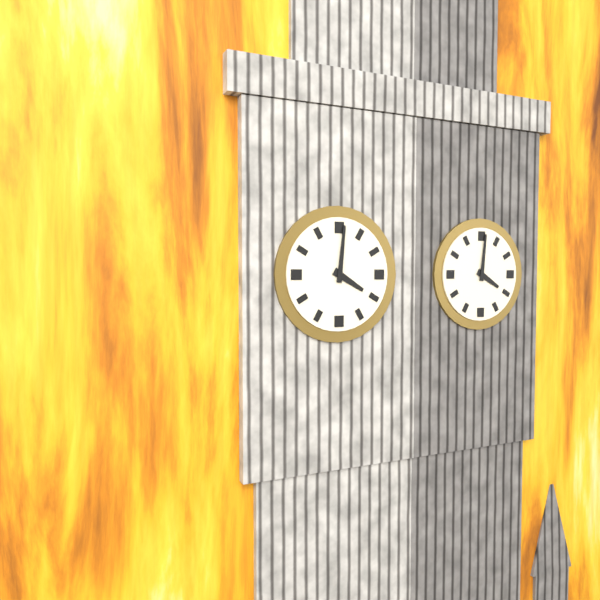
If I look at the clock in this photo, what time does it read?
4:01
